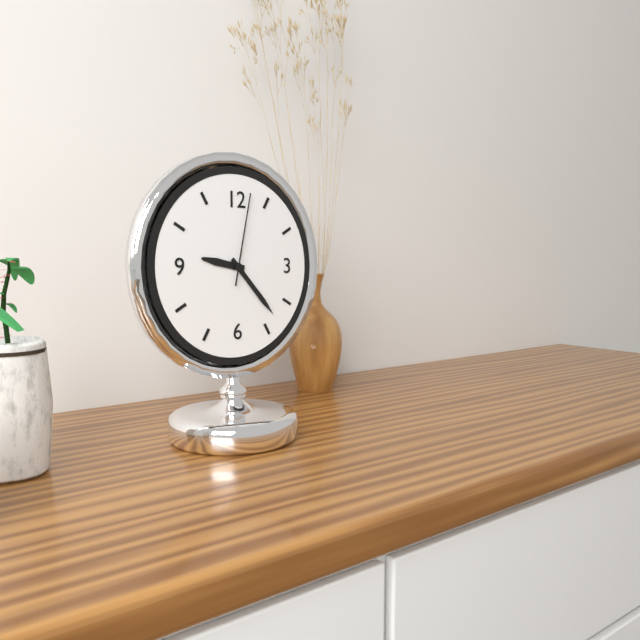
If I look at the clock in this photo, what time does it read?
9:23:02
